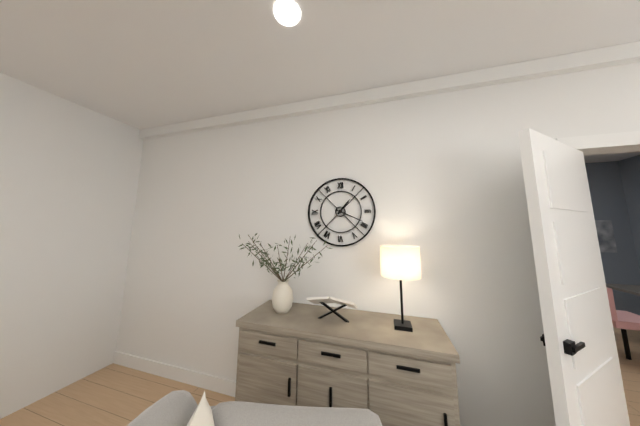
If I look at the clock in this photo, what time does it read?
1:19
